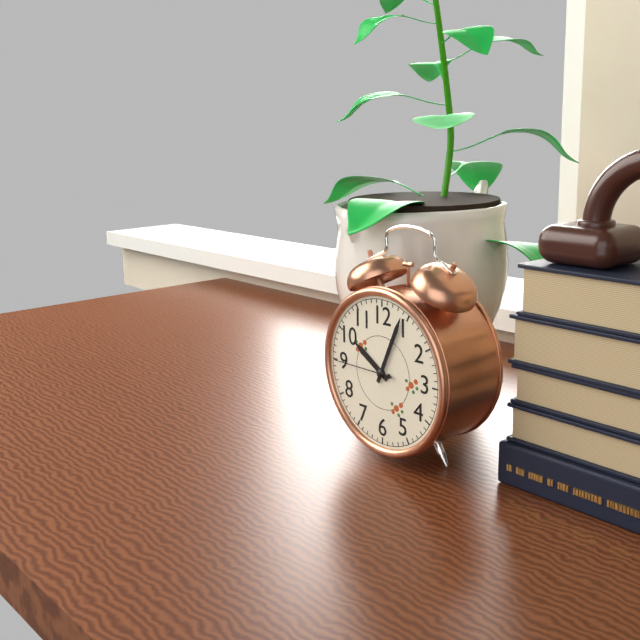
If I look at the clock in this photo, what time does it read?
10:04:45
